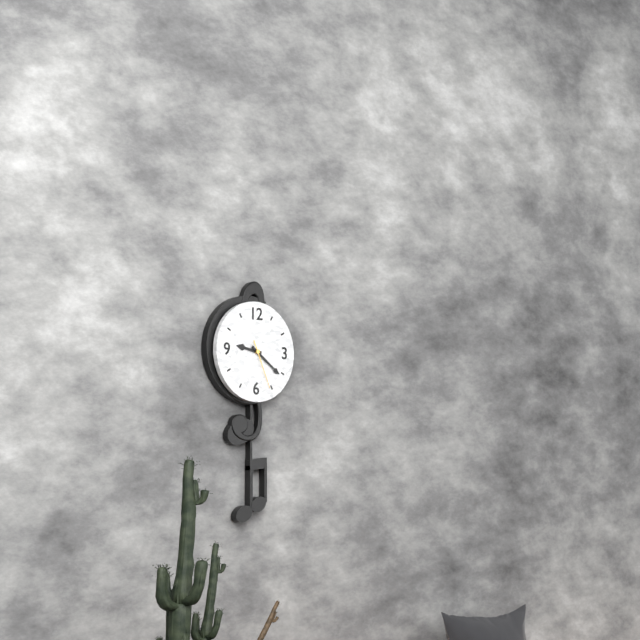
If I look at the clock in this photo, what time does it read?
9:21
